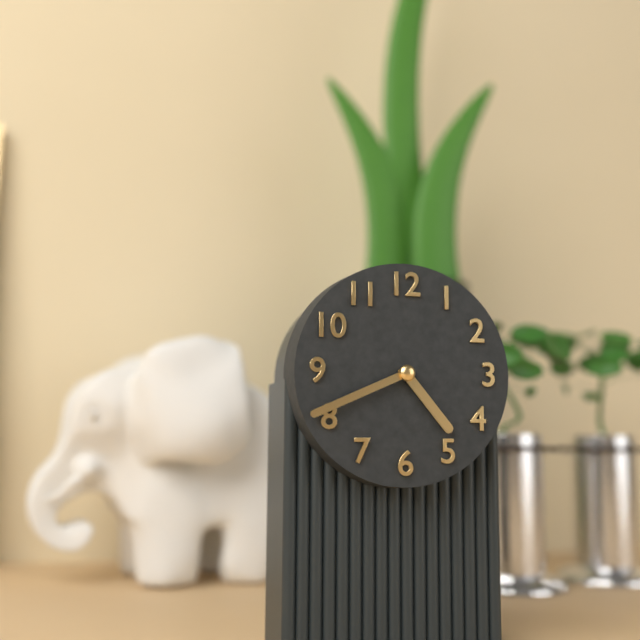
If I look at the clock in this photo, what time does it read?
4:41
